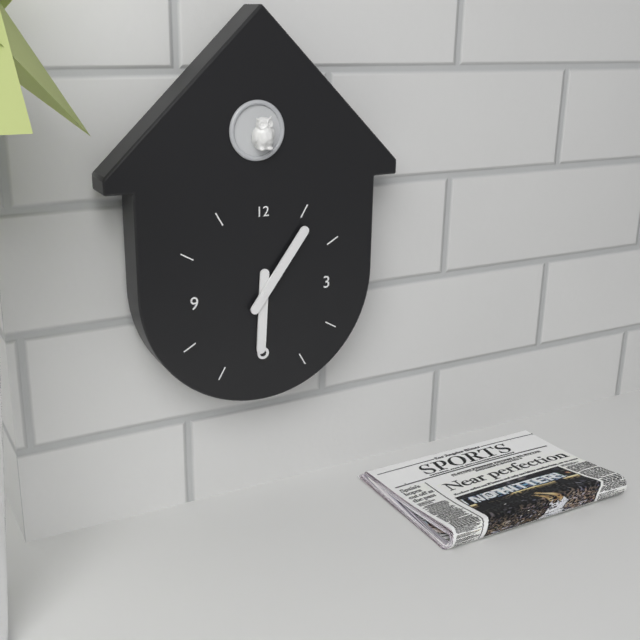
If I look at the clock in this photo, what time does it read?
6:06
